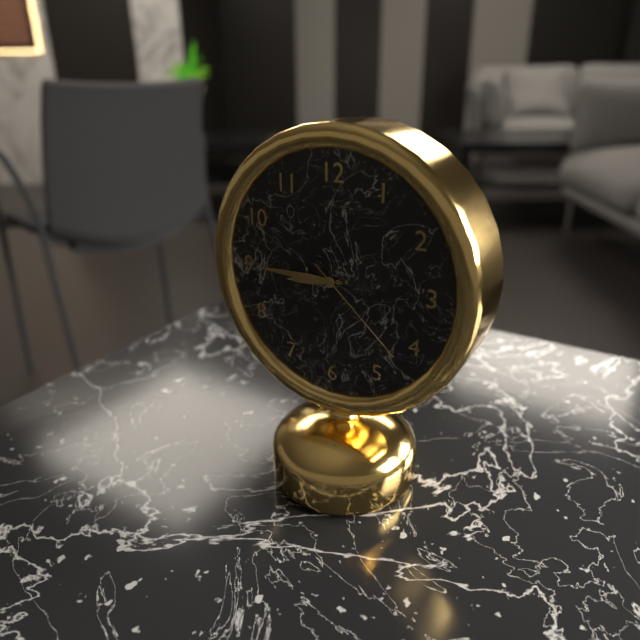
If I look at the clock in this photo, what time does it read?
8:45:22
